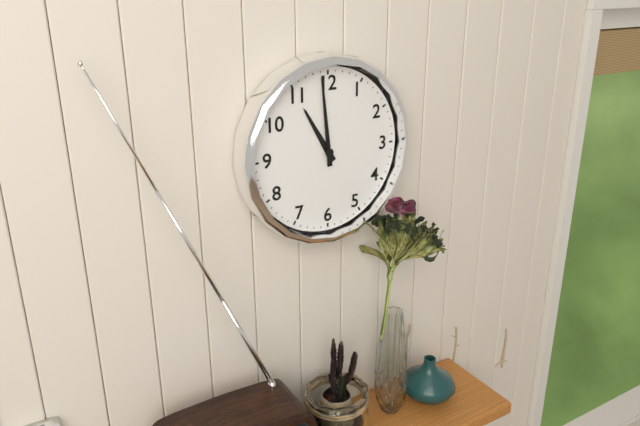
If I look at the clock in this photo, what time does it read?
10:59
